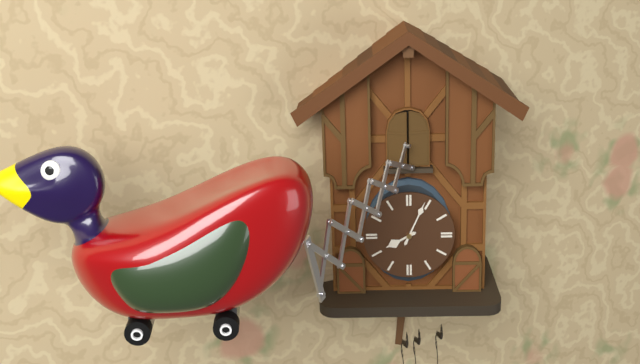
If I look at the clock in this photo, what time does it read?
8:04
